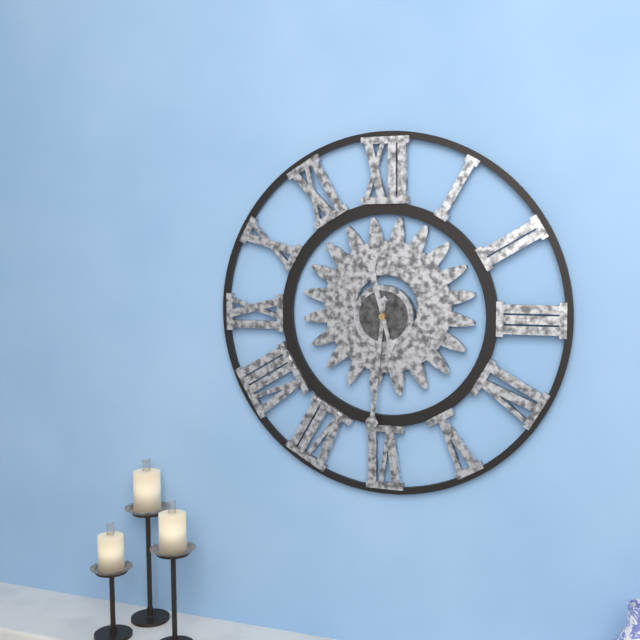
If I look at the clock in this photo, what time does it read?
11:31
